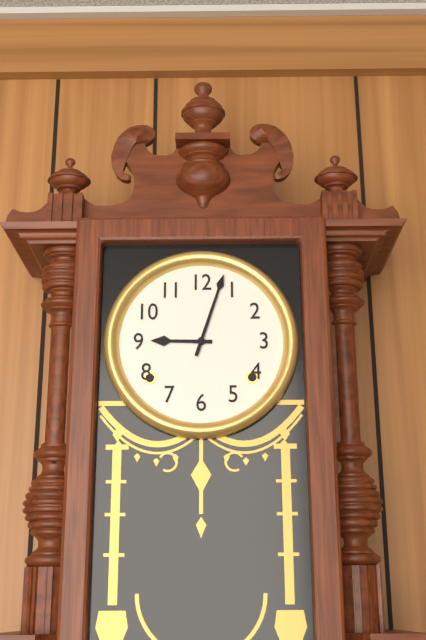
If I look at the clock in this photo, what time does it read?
9:03
